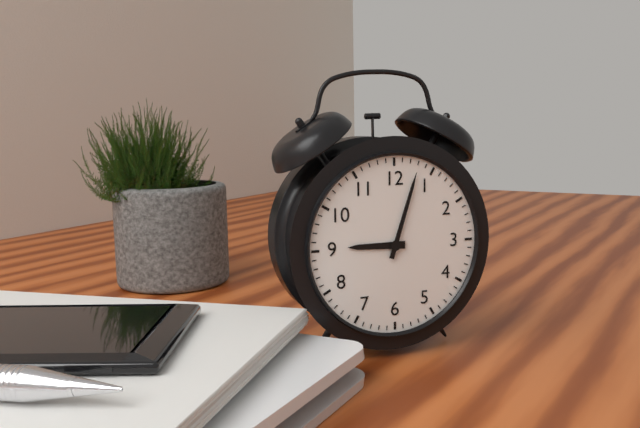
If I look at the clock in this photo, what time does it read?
9:03
